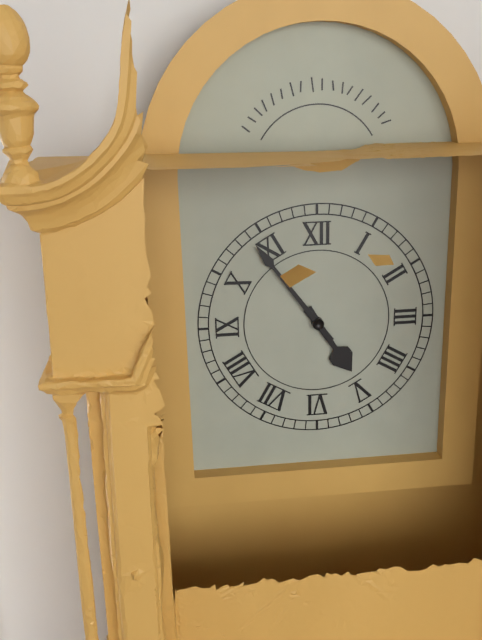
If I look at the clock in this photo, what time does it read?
4:54
